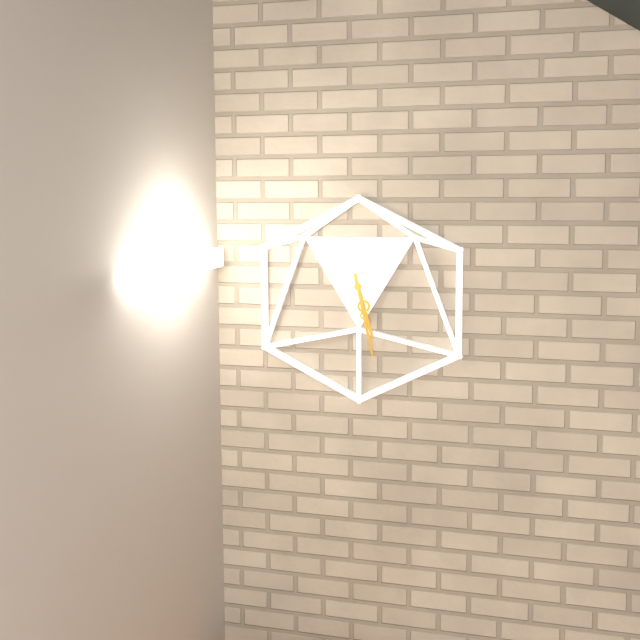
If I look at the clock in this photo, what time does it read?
5:28
